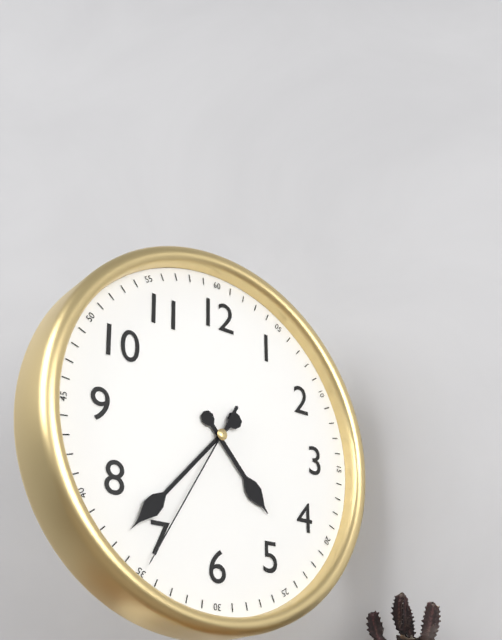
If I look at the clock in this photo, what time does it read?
4:37:35
